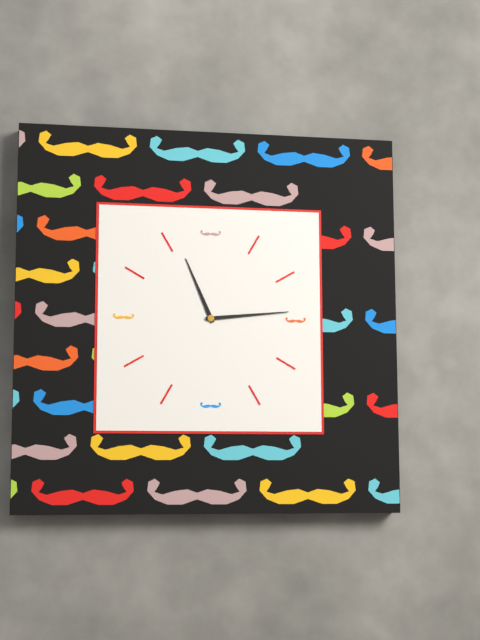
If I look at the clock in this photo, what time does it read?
11:14
